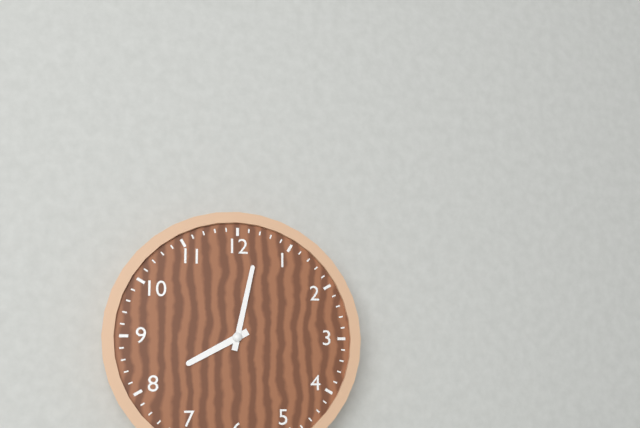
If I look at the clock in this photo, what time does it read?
8:02
